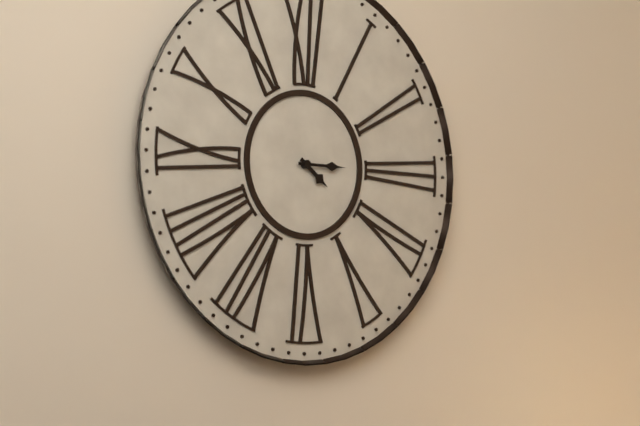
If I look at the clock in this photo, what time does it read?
4:15
